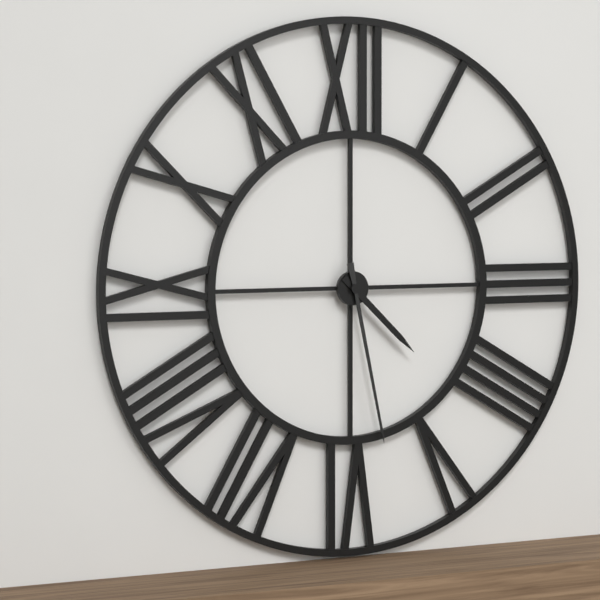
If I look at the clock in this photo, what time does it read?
4:28
